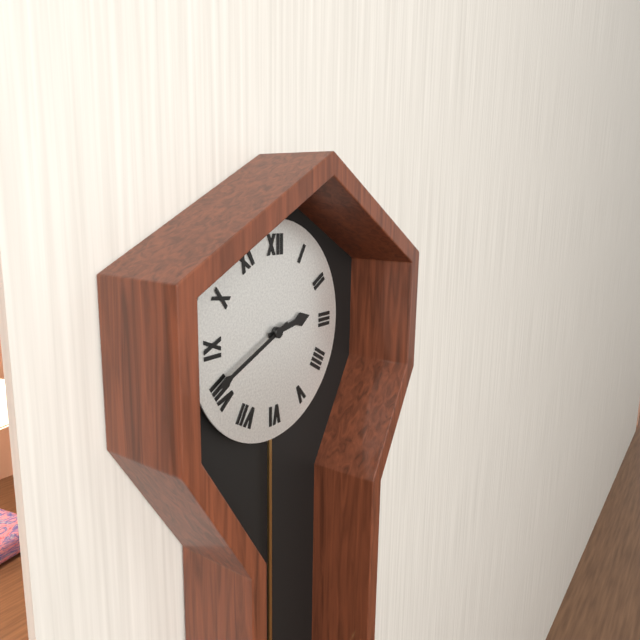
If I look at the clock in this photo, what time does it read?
2:41
